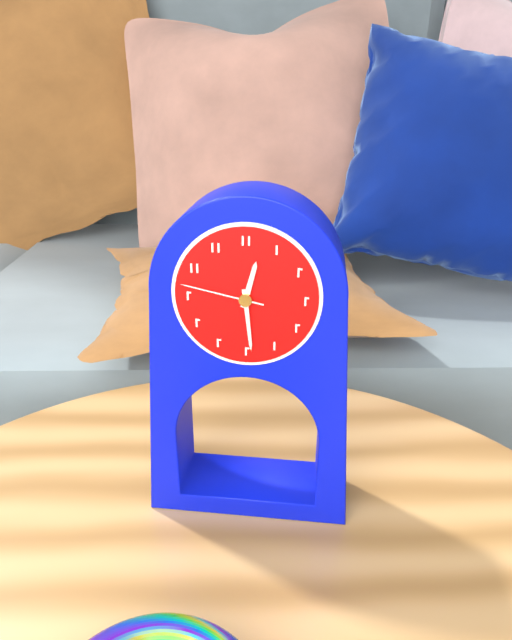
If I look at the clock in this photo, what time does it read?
12:29:47
